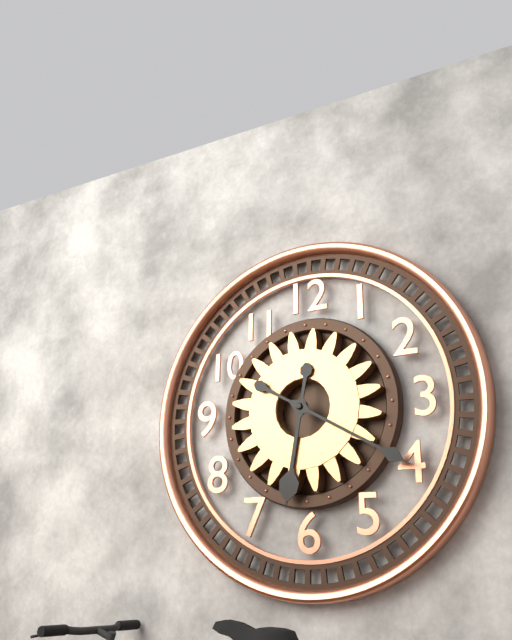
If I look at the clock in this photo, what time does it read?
6:20
